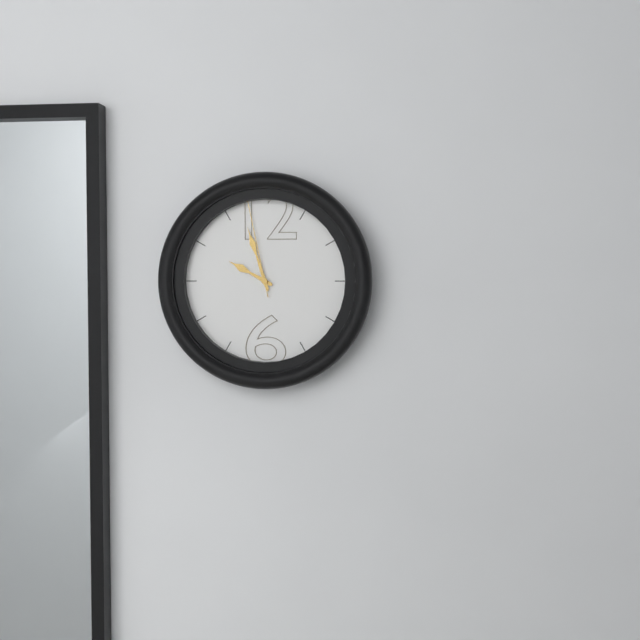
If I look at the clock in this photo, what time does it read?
9:57:58
